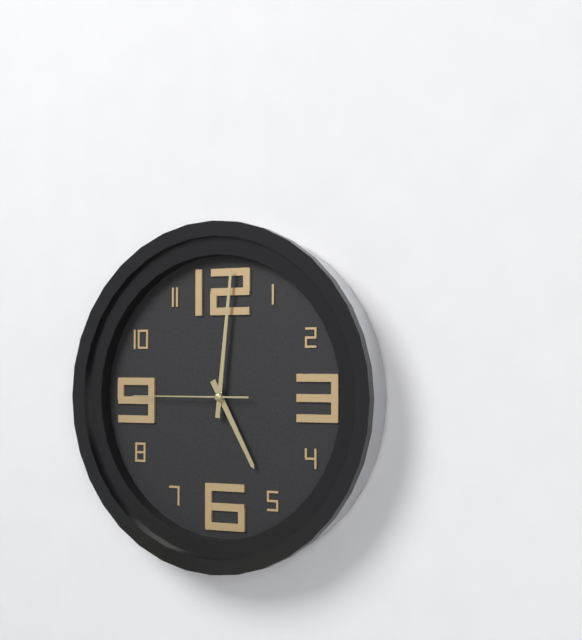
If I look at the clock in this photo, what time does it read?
5:01:45
